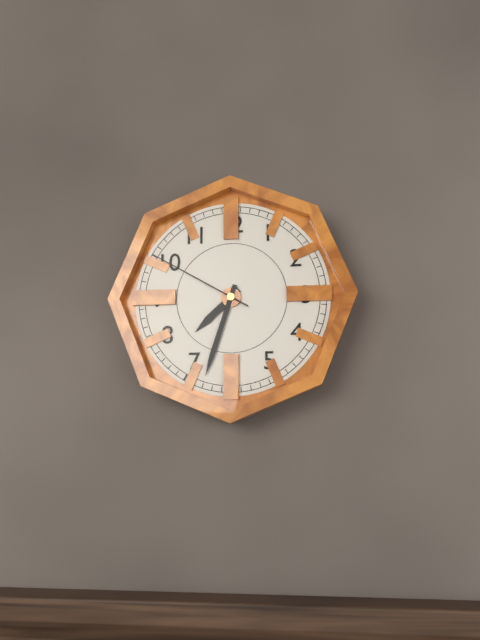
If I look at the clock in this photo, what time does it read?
7:33:50
